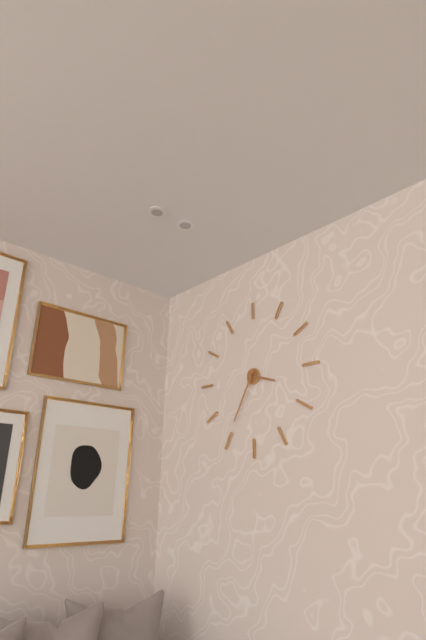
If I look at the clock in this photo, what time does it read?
3:35
